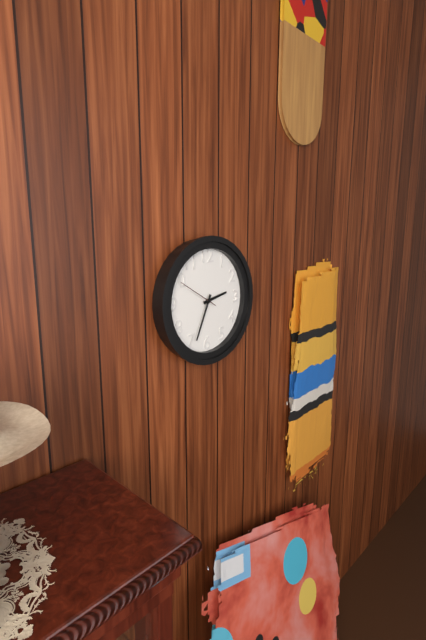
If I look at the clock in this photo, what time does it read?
2:34
